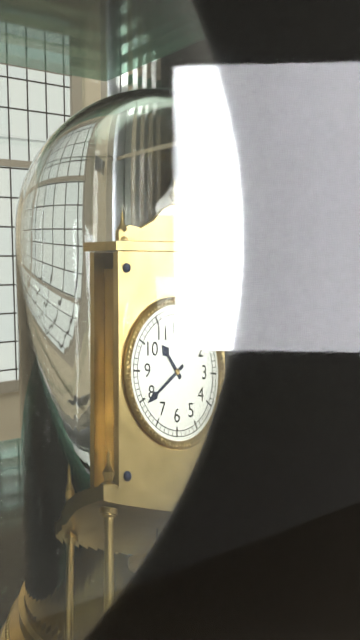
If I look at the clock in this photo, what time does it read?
10:39
